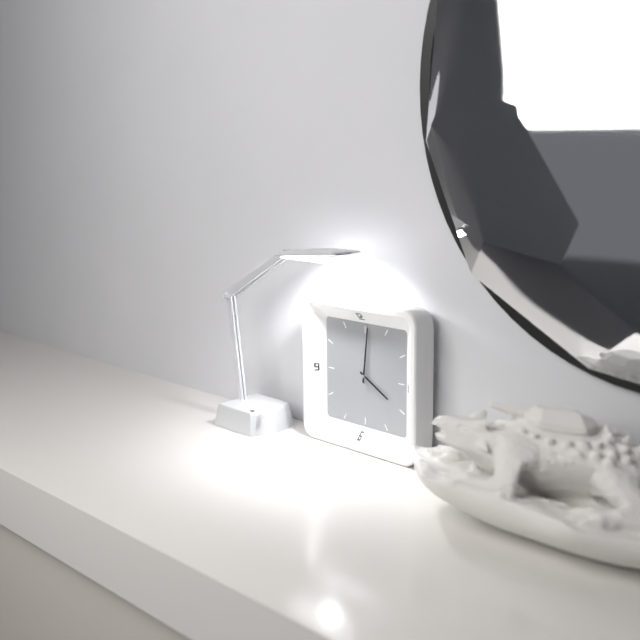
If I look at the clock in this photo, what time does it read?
4:01
